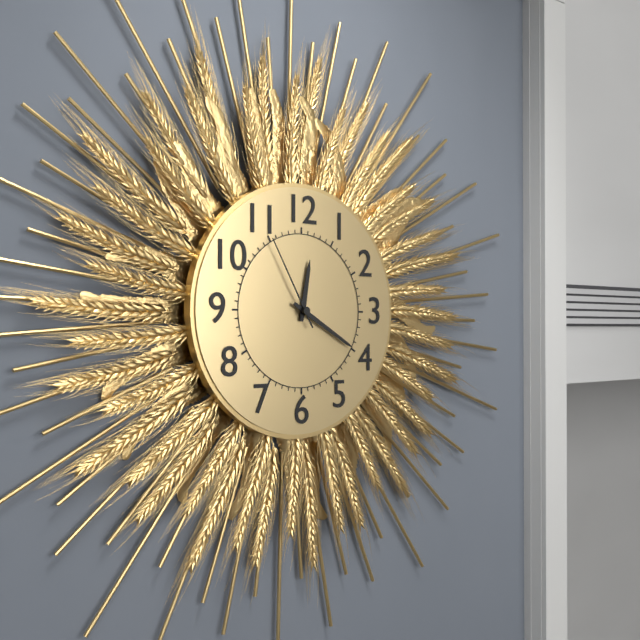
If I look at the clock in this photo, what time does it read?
12:20:55
